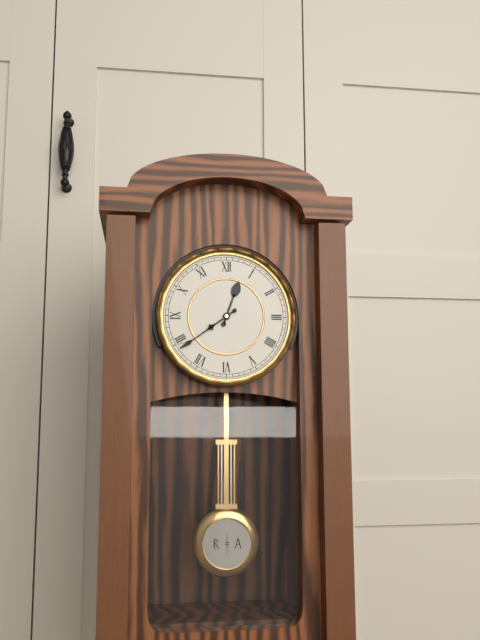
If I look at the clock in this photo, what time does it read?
12:39
